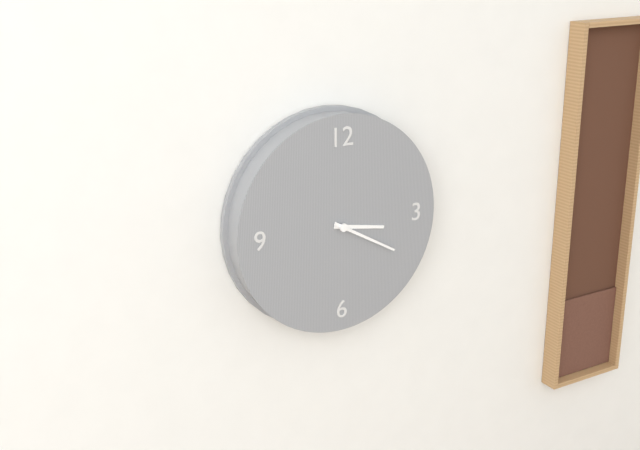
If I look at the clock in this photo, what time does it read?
3:20
